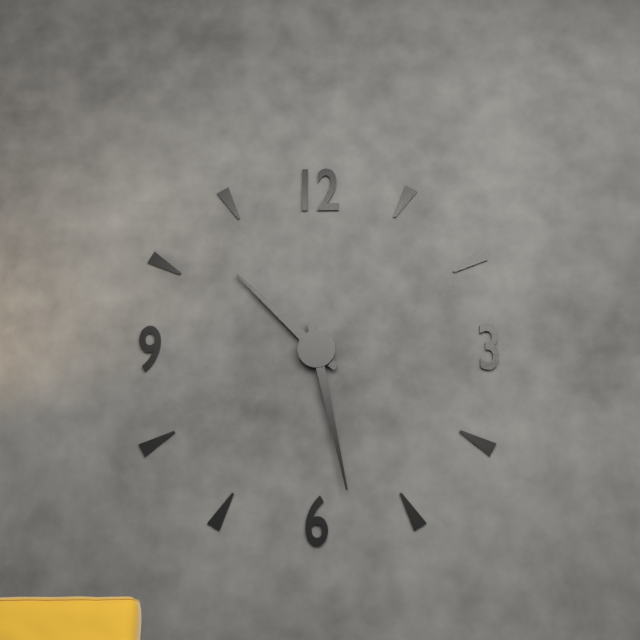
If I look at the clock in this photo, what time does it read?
10:28
